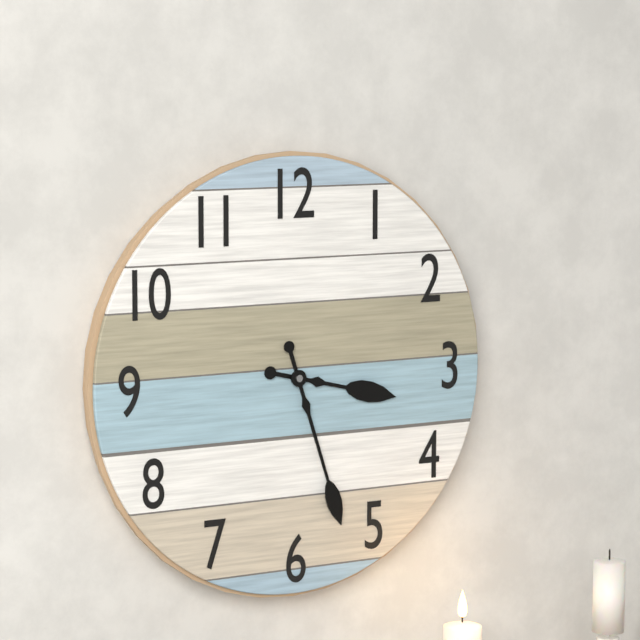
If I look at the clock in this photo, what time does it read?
3:27
